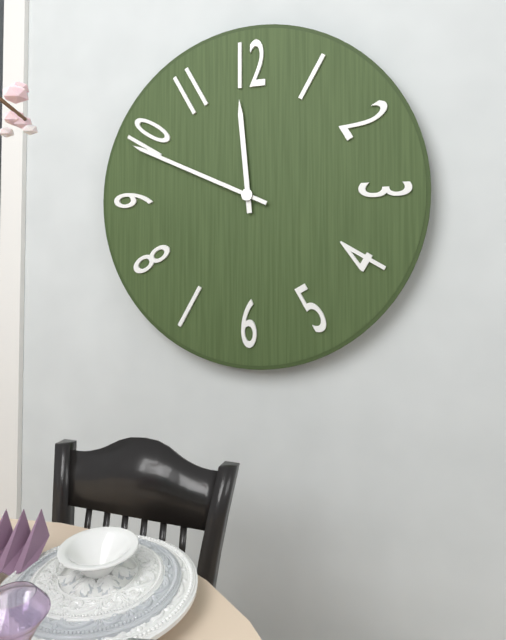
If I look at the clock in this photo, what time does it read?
11:49
